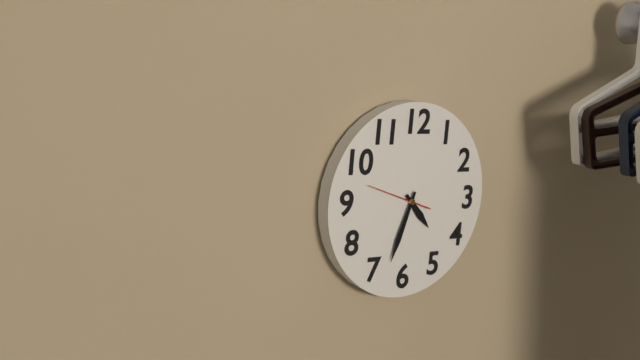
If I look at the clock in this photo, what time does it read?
4:33
